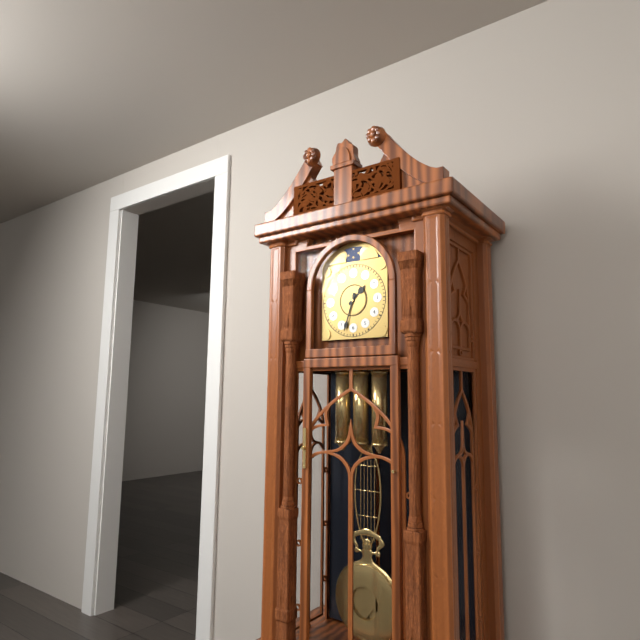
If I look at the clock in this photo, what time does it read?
1:33
